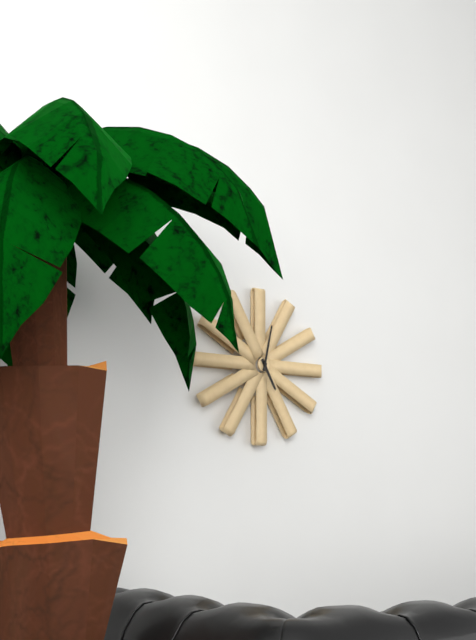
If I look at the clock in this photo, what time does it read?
5:02
